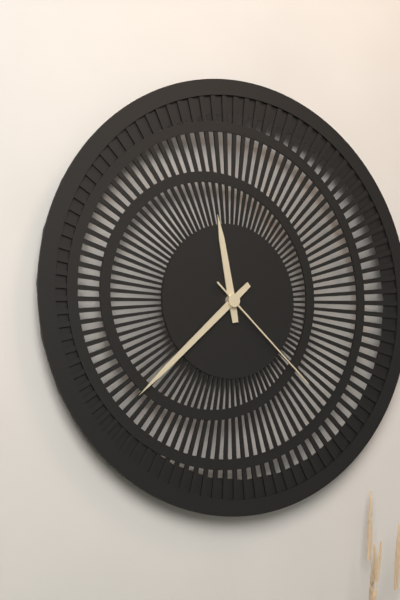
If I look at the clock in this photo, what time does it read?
11:38:22
